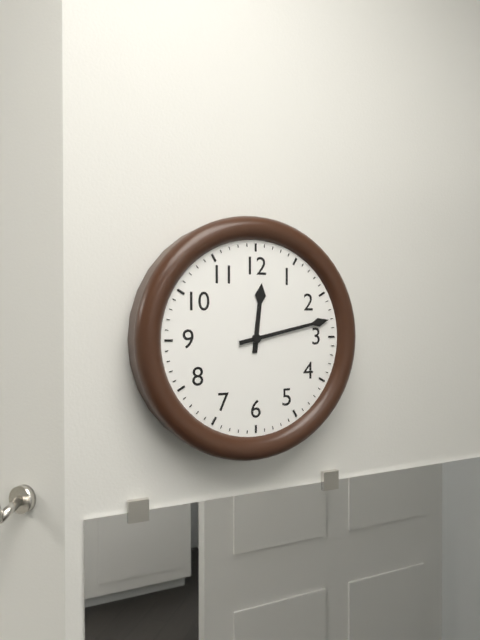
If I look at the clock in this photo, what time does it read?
12:13
